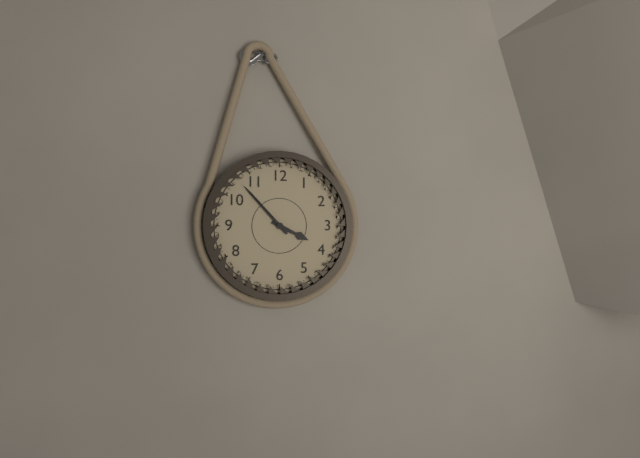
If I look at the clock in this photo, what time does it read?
3:53
